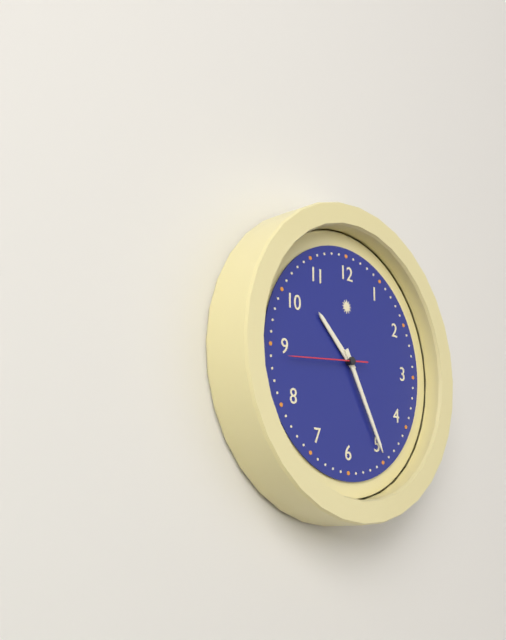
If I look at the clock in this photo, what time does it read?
10:25
